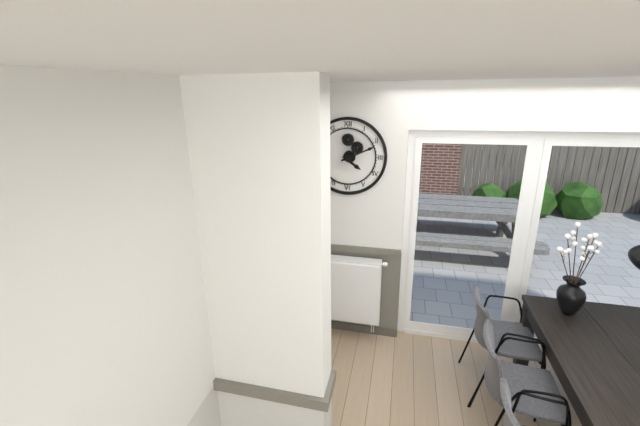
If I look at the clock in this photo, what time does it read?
4:11
